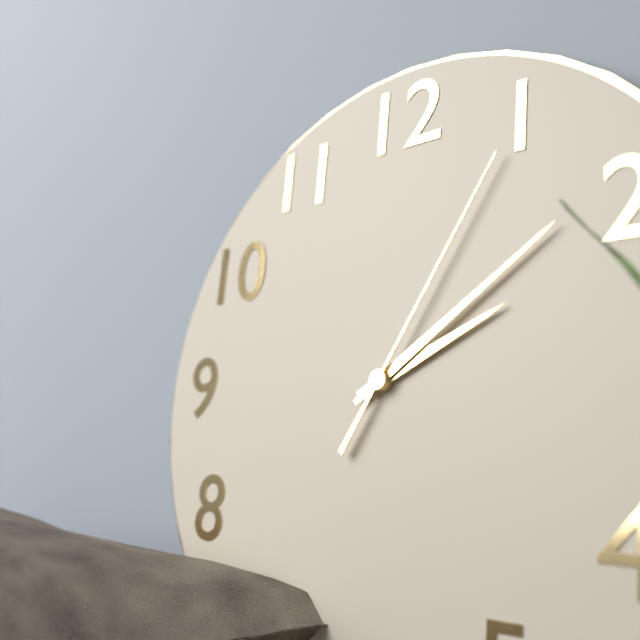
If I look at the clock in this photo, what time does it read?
2:09:05
